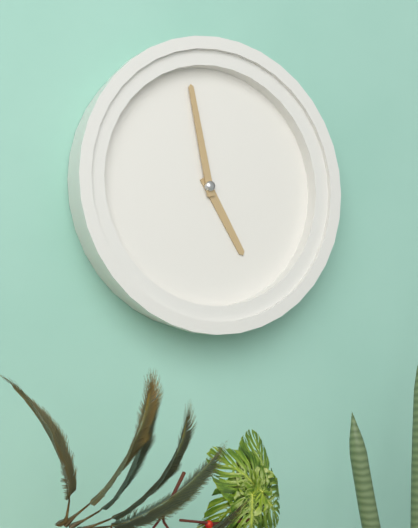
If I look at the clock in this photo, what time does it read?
4:58
